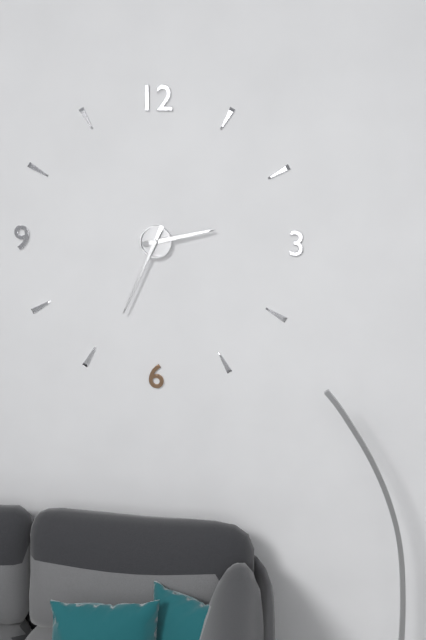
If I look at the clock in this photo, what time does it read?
2:34
